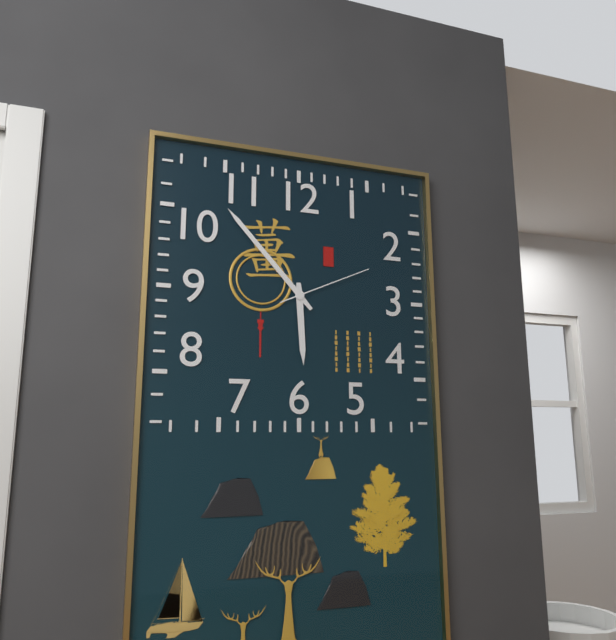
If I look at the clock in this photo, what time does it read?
5:53:11
